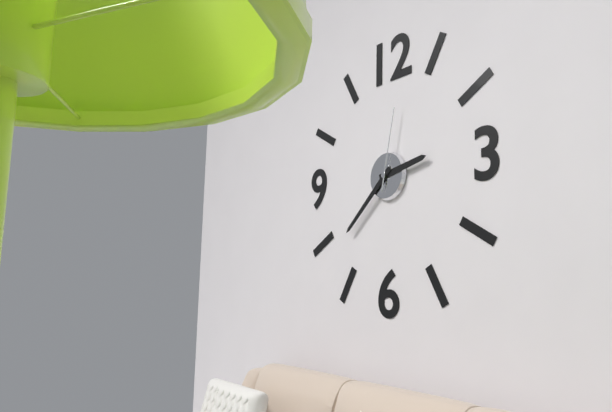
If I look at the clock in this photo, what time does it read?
2:38:02
